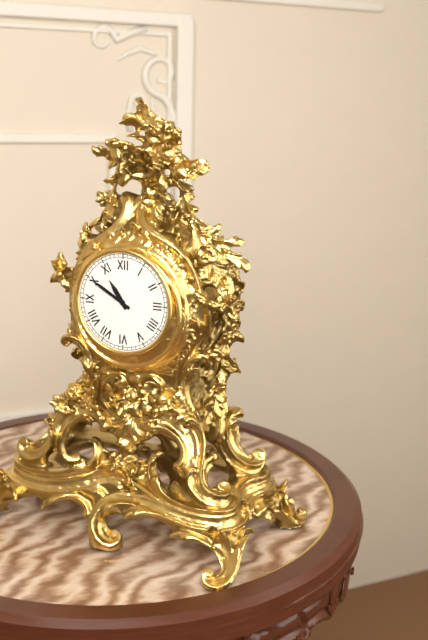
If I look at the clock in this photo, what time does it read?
10:50
